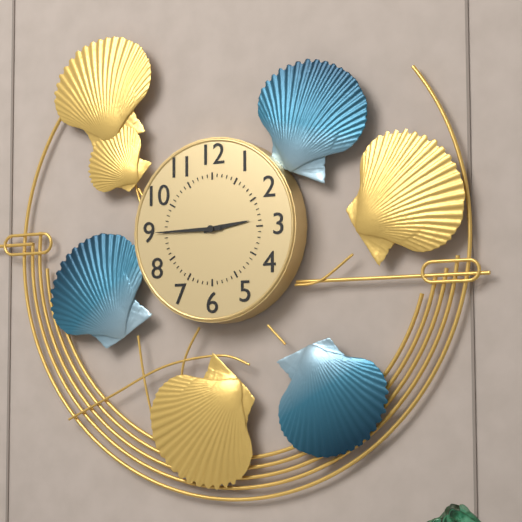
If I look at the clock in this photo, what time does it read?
2:45
